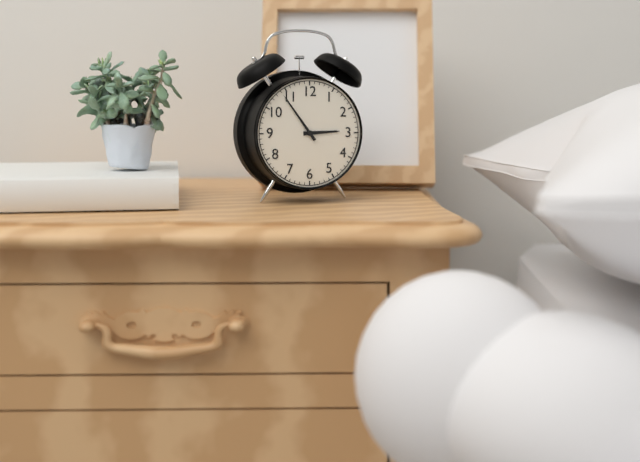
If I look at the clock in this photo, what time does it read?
2:54
